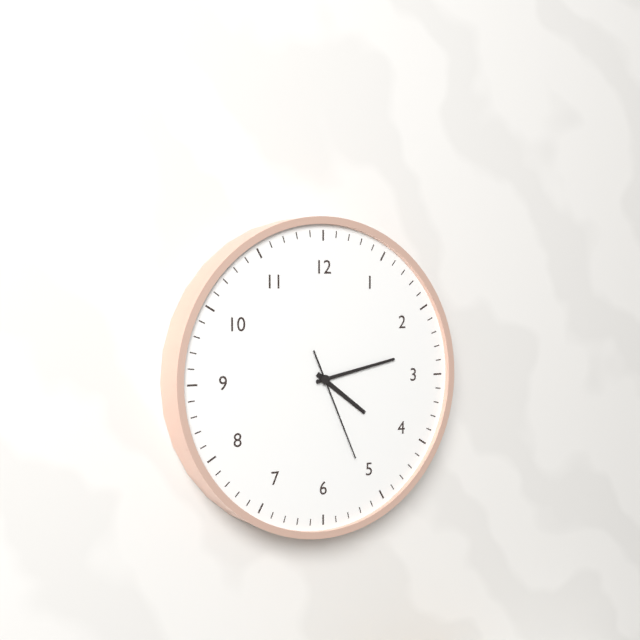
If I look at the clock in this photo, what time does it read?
4:13:26
